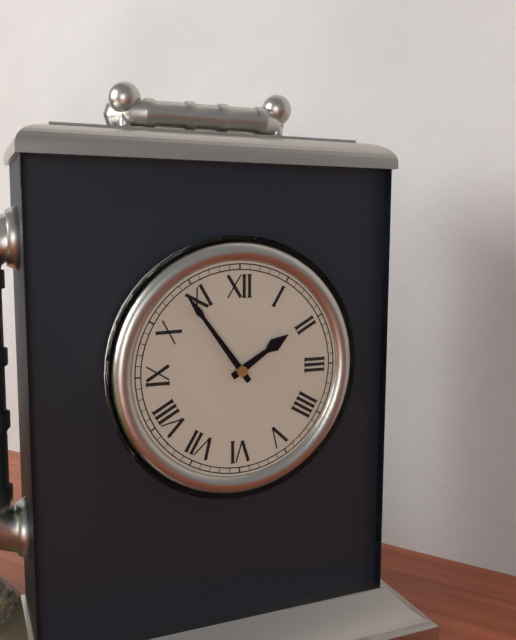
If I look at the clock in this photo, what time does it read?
1:54
